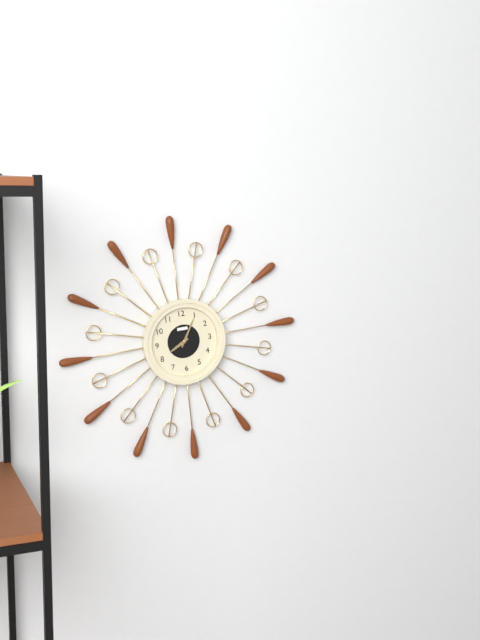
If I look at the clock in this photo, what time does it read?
8:05
